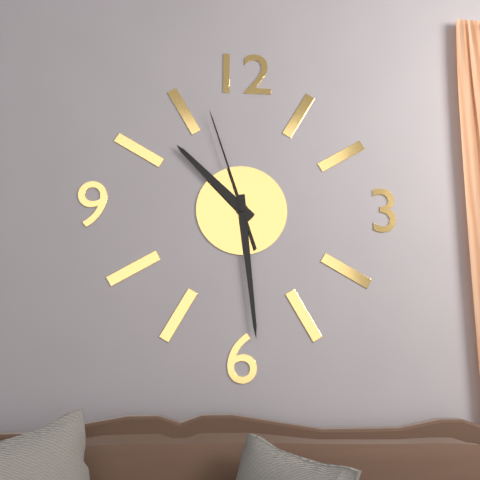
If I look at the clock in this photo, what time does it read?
10:29:57
